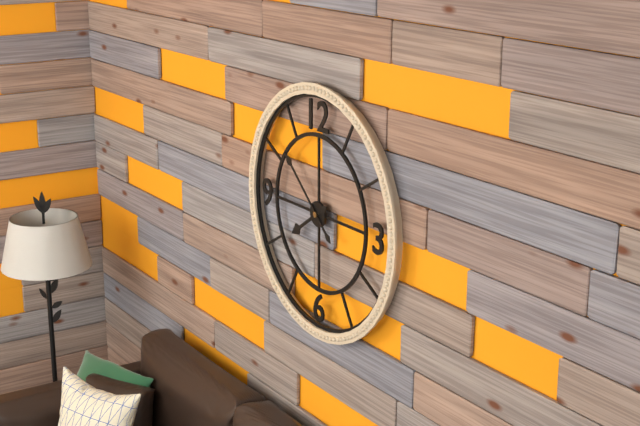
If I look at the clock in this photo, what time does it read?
7:52
